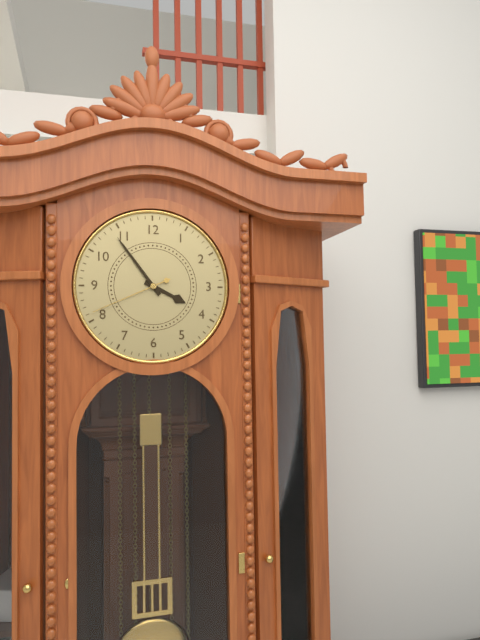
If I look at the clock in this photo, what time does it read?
3:54:41
